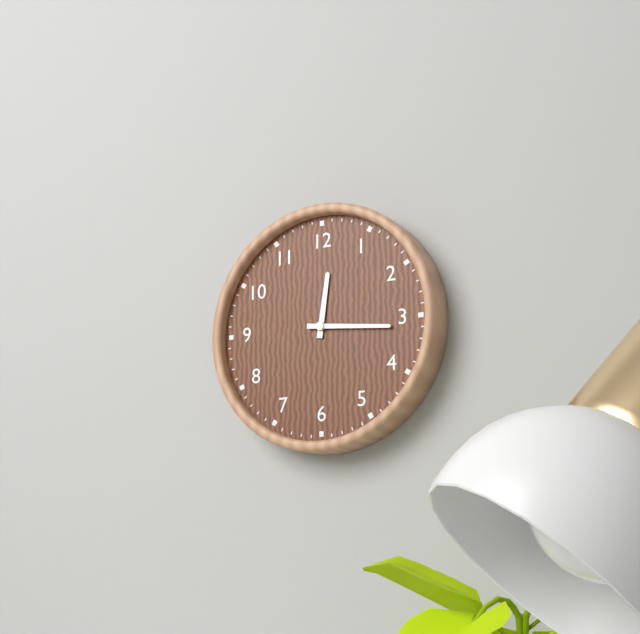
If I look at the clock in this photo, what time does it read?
12:16
